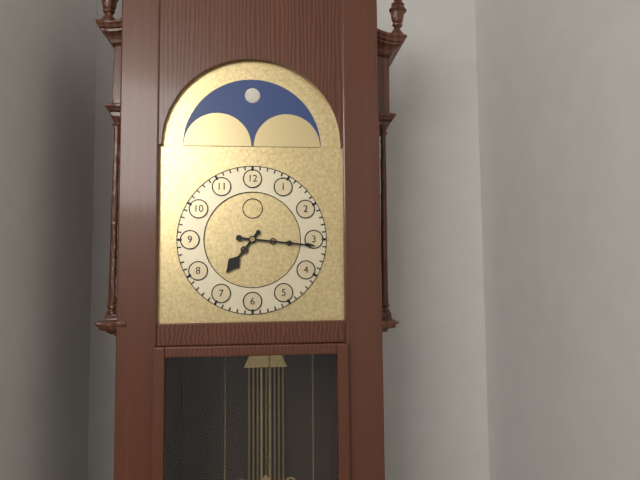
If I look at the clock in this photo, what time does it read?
7:16
